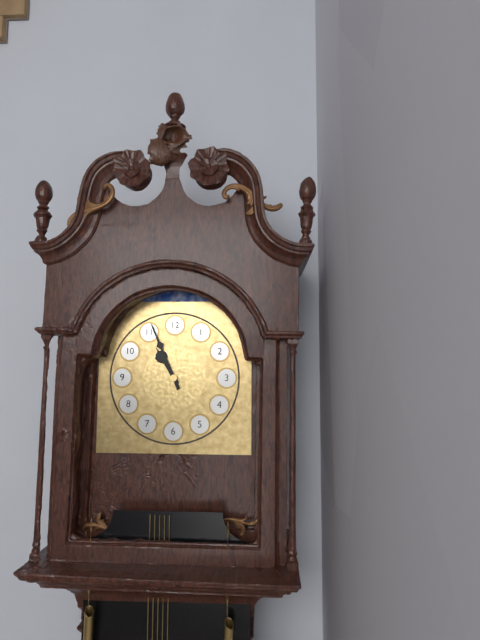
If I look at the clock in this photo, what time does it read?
10:56
